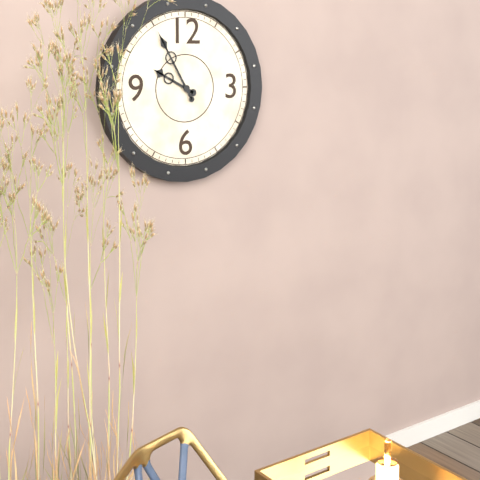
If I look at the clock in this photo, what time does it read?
9:55
